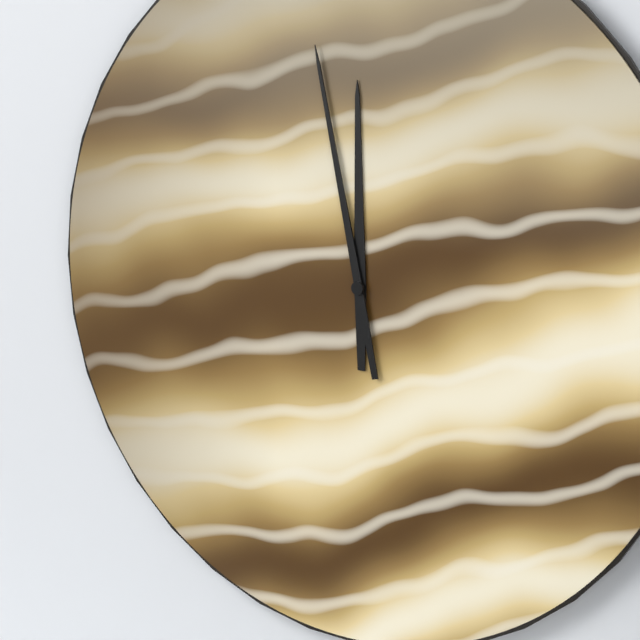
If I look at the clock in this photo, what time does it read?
11:58
